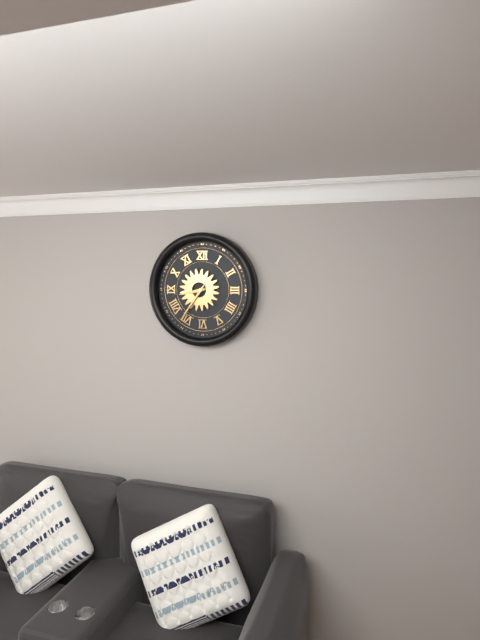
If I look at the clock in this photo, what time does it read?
8:36
